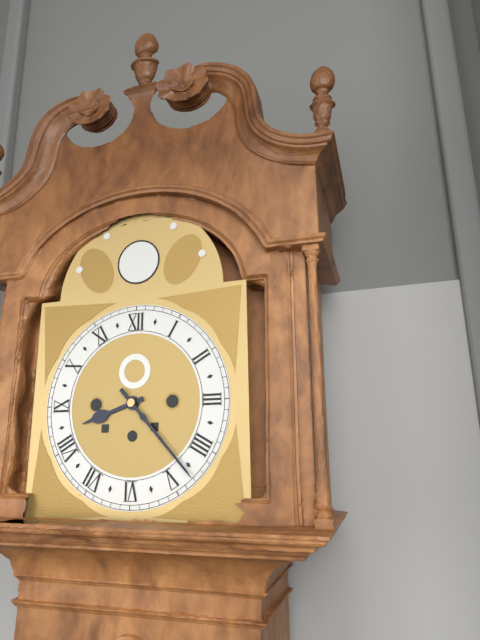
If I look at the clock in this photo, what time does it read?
8:23
